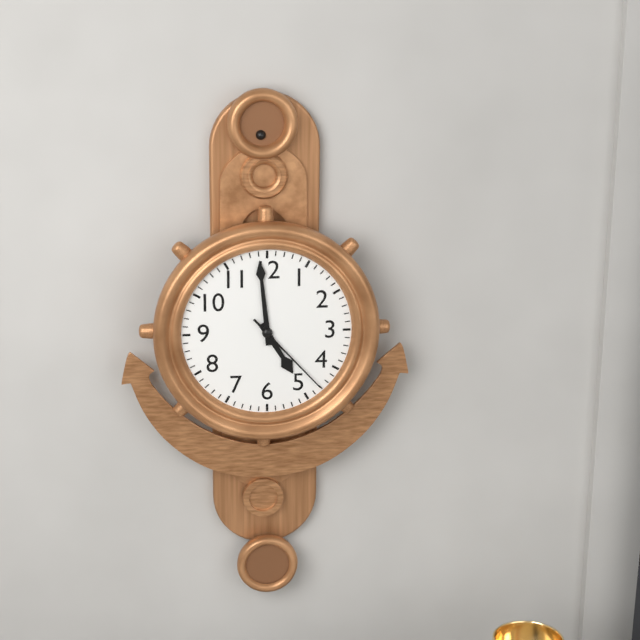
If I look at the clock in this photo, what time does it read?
4:59:23
